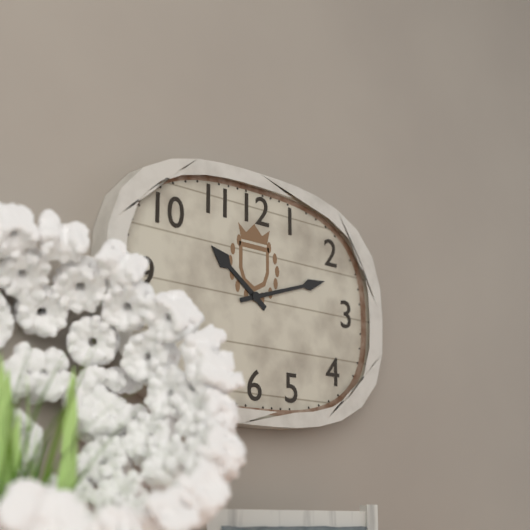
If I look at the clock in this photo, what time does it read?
10:12
